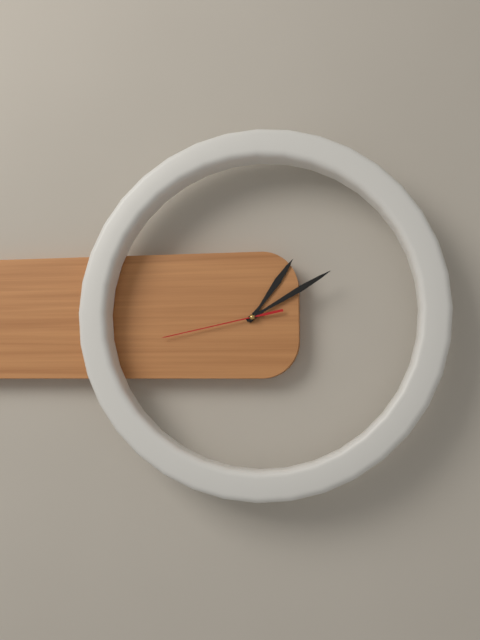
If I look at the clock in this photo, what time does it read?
1:10:43
